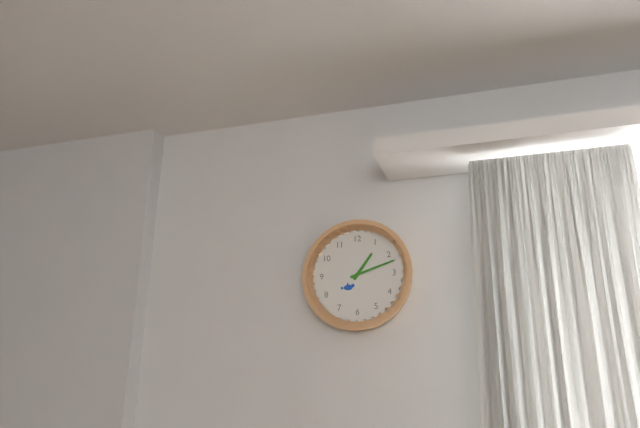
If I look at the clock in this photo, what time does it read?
1:12
